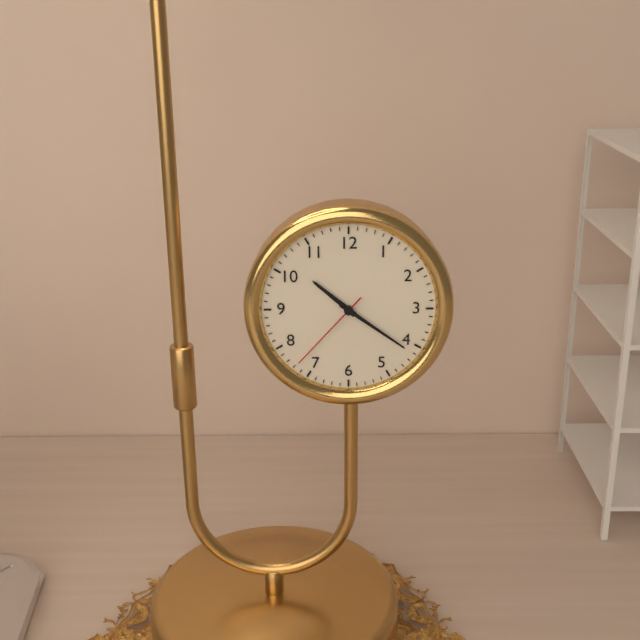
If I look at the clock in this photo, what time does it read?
10:21:37
